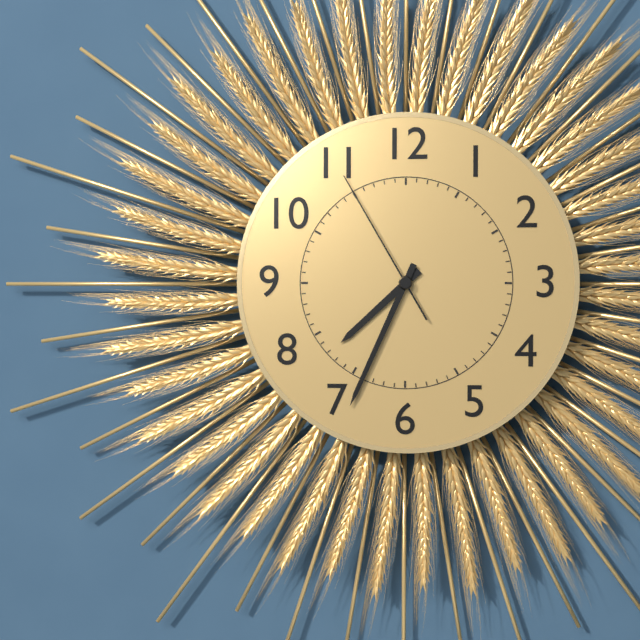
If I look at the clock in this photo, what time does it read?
7:34:55
